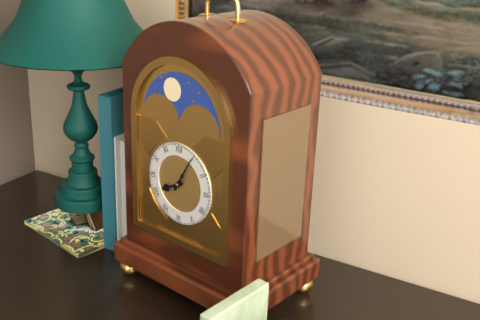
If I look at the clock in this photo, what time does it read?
8:05
